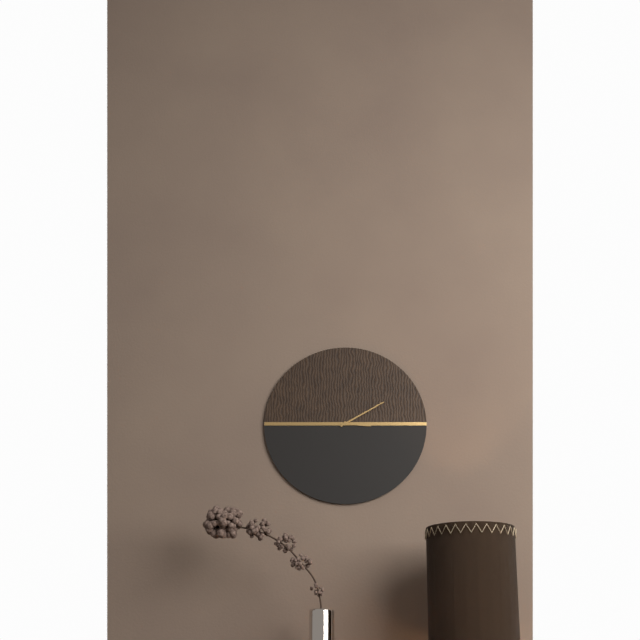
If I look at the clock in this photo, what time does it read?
3:10
